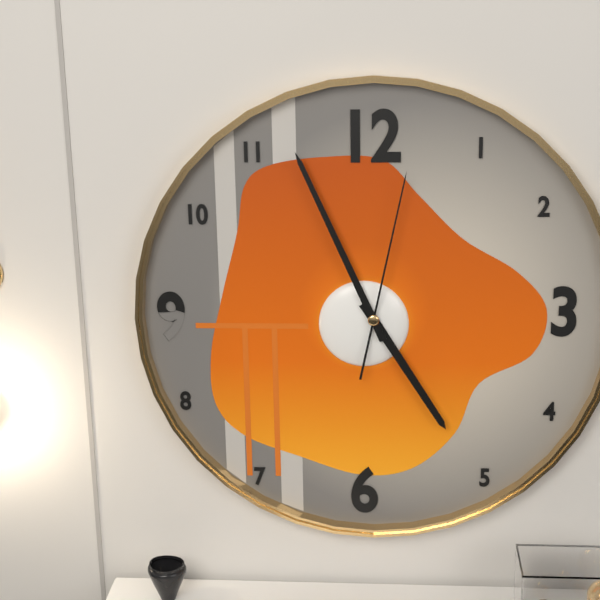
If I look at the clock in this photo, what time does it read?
4:56:02
